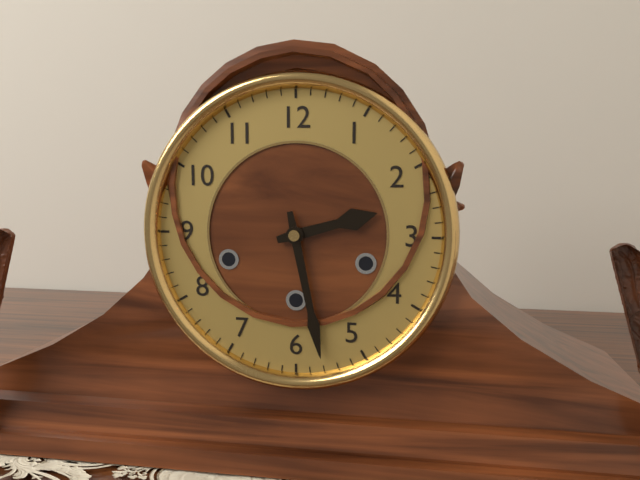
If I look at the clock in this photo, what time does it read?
2:28
